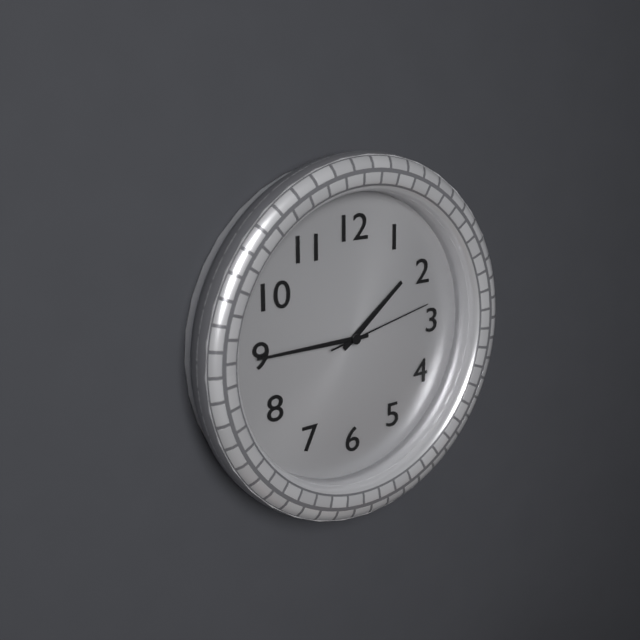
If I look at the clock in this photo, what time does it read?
1:45:13
